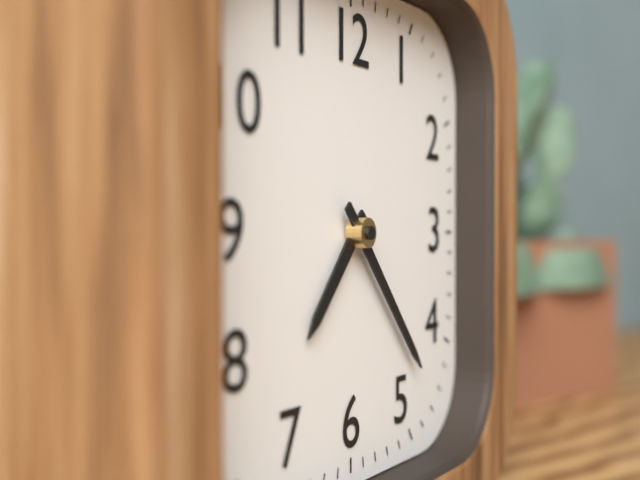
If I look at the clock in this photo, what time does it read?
7:23
